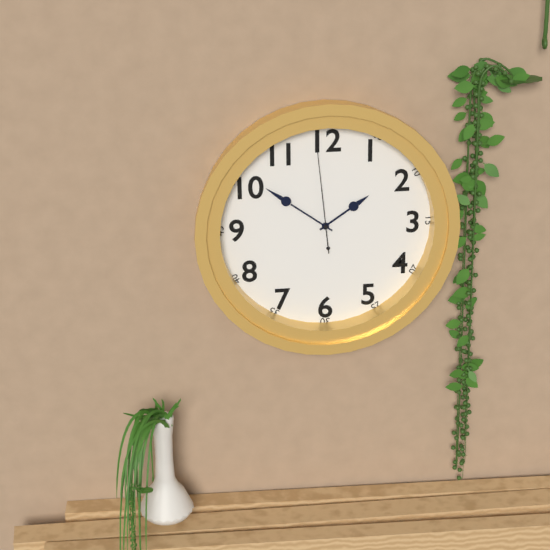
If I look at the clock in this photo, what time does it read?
1:51:59
